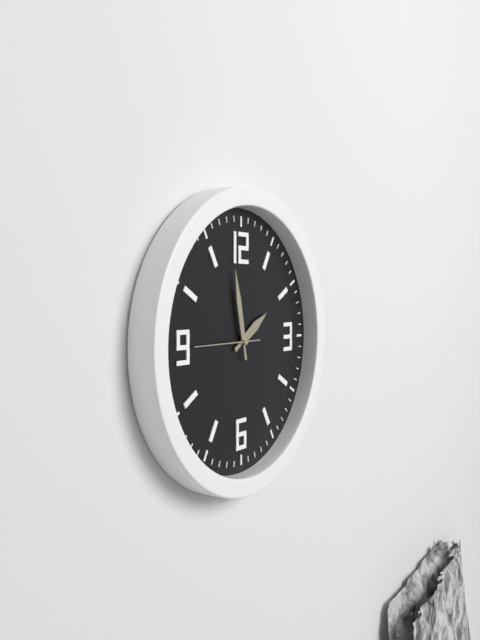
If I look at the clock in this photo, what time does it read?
1:58:45
